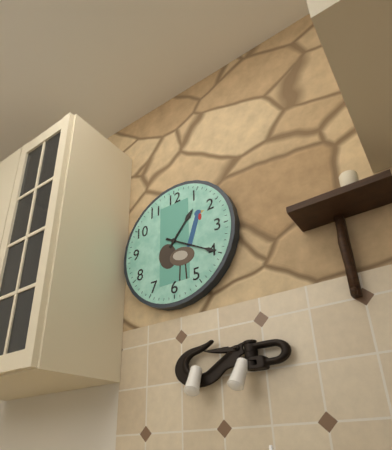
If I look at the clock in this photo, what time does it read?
1:20
